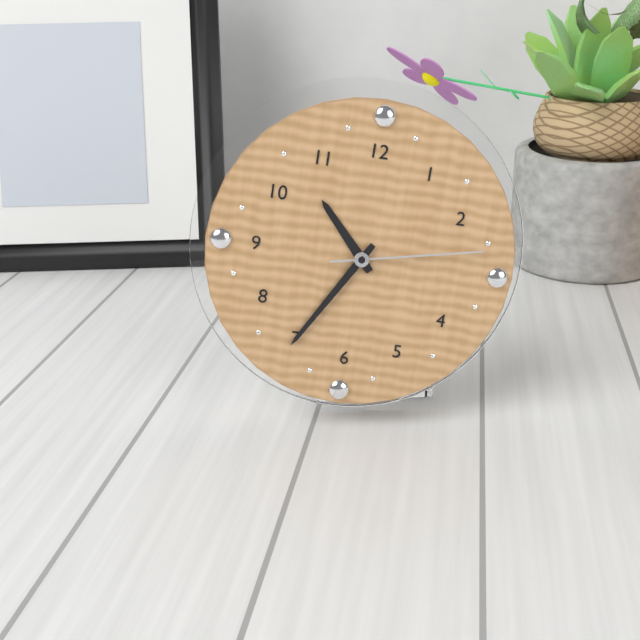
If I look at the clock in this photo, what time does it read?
10:35:13
